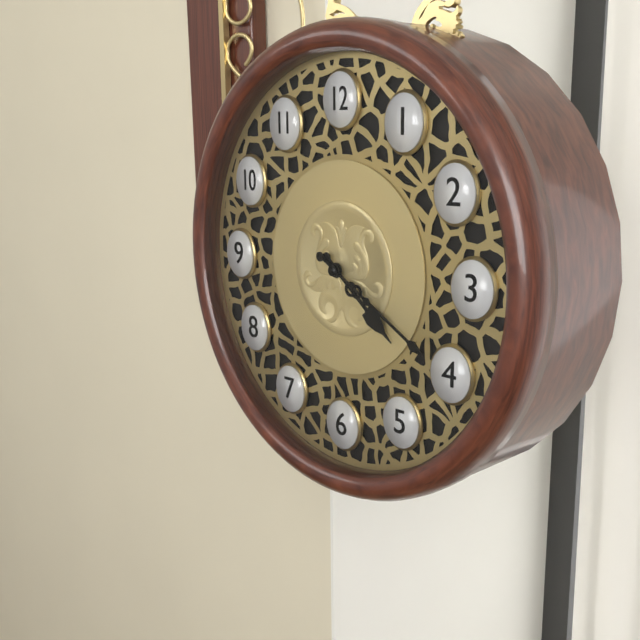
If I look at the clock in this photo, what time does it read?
4:20
